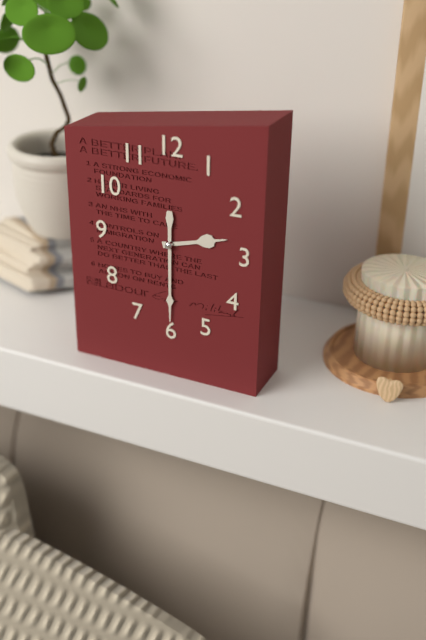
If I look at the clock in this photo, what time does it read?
2:30
